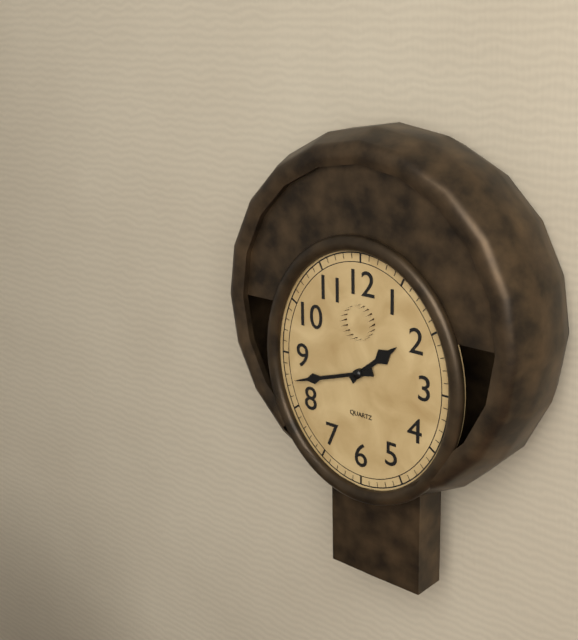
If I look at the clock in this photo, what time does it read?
1:42
